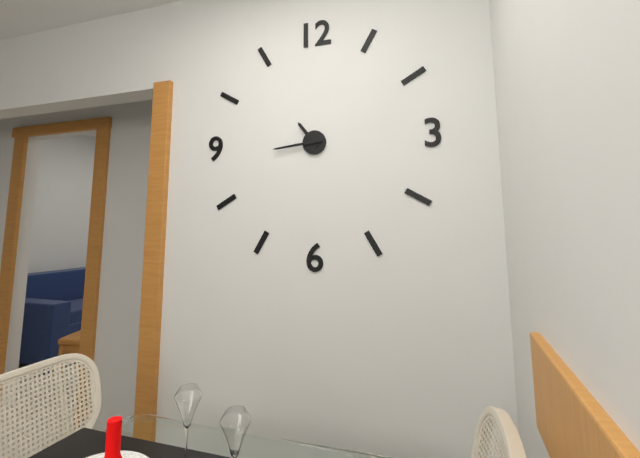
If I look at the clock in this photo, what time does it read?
10:44
